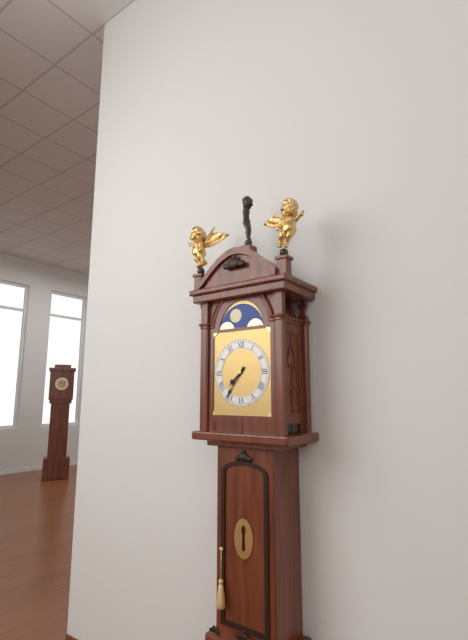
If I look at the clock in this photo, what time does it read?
7:36
